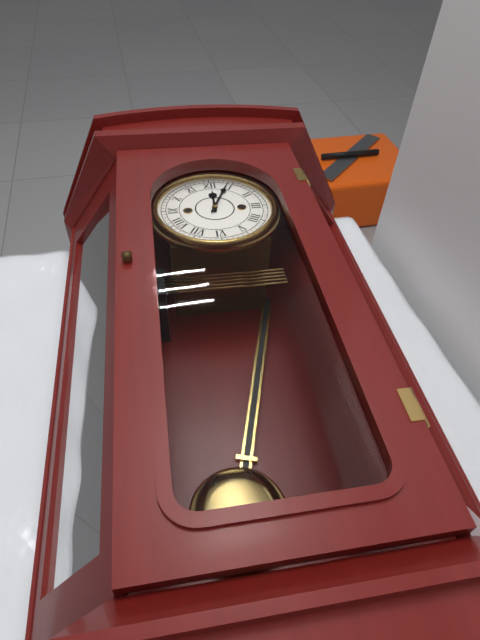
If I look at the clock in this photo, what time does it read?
12:04
